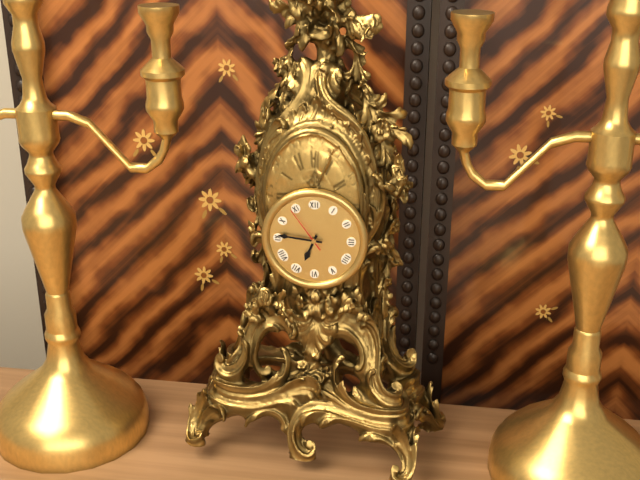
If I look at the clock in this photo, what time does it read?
6:46
